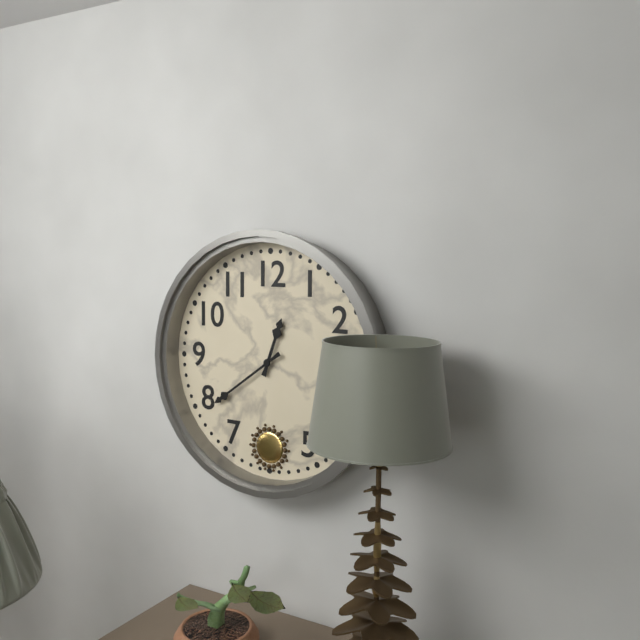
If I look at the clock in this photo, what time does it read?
12:39
